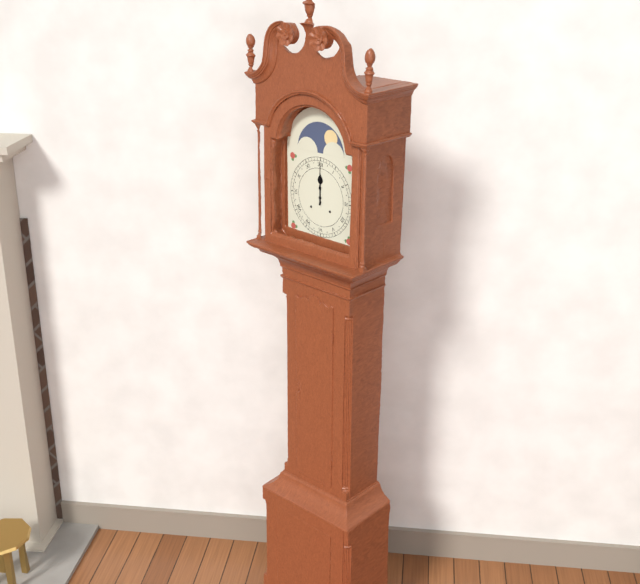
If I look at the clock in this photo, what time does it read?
12:00
